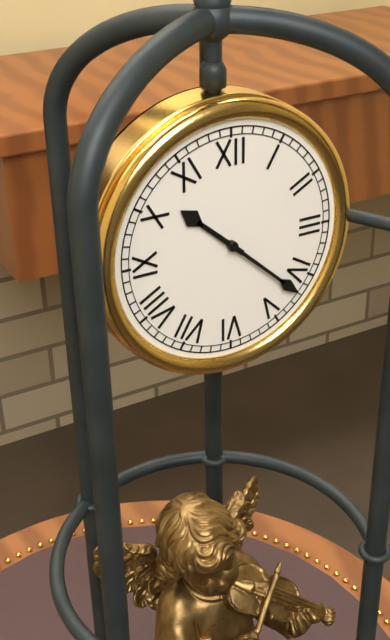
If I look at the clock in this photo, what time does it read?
10:22
